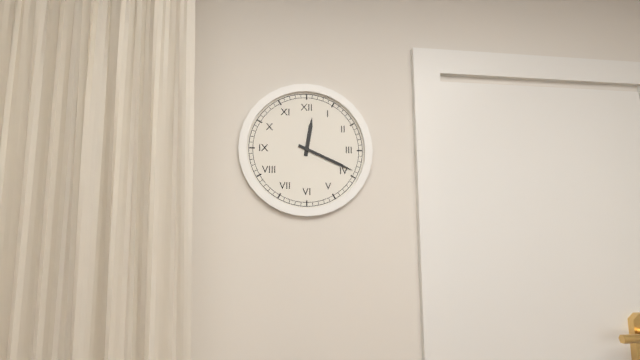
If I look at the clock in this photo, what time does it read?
12:19
